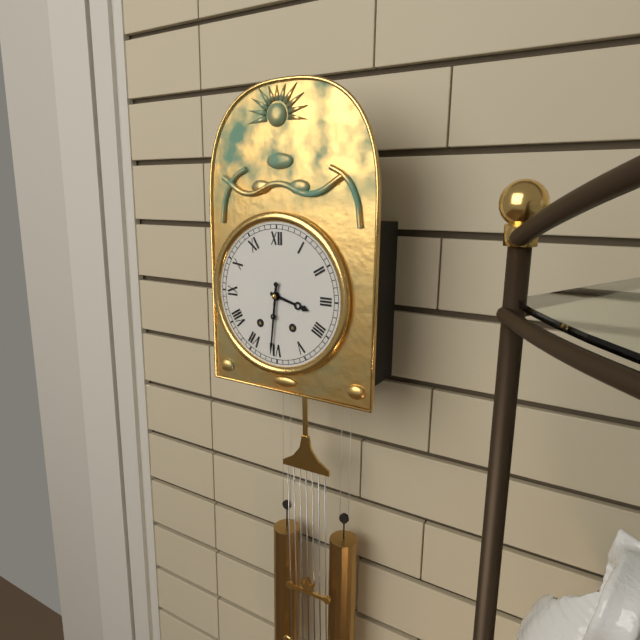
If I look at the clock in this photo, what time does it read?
3:31
